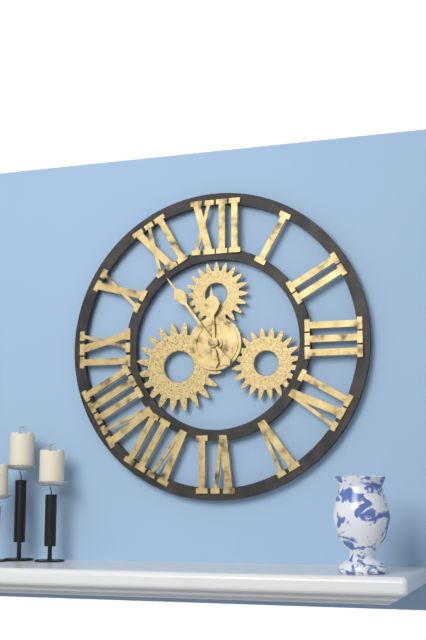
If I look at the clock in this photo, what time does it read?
11:54
